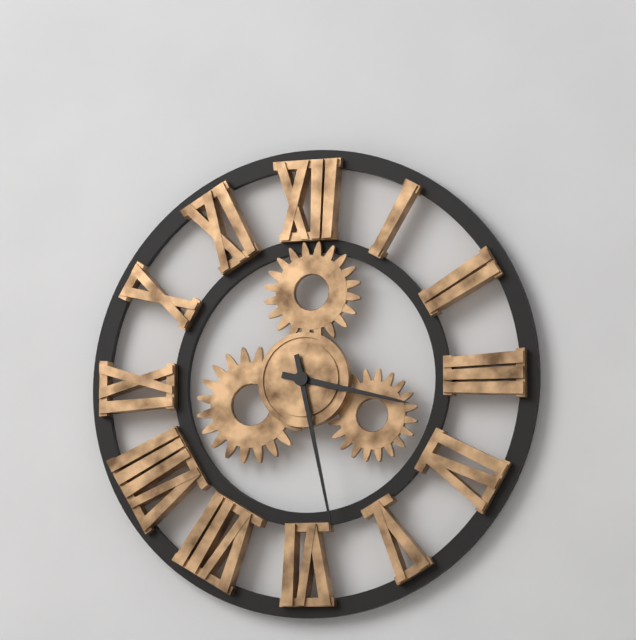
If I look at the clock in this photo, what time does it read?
3:28
